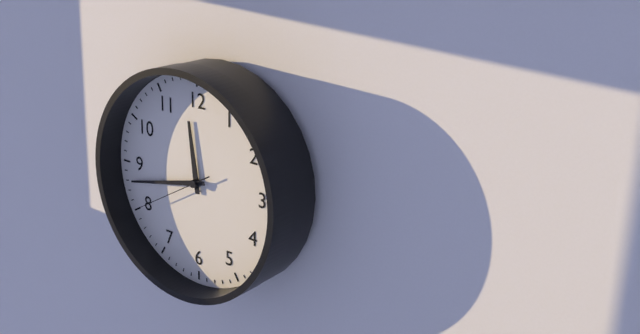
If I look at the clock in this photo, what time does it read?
11:43:40
